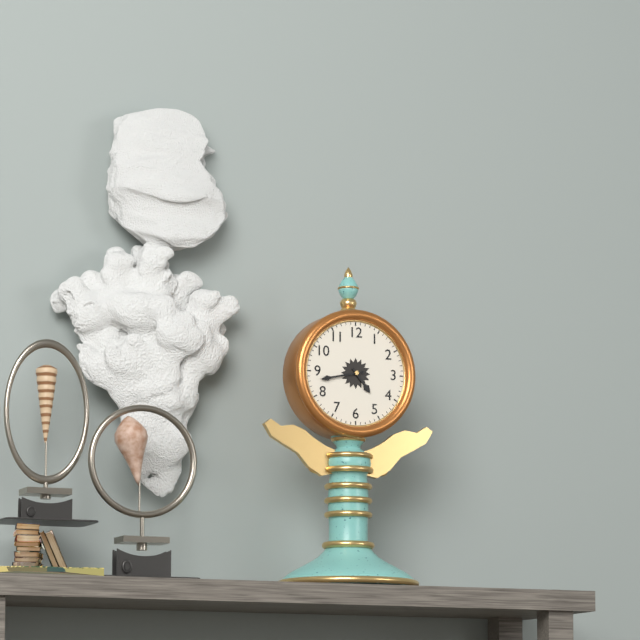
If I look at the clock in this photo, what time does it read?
4:43
